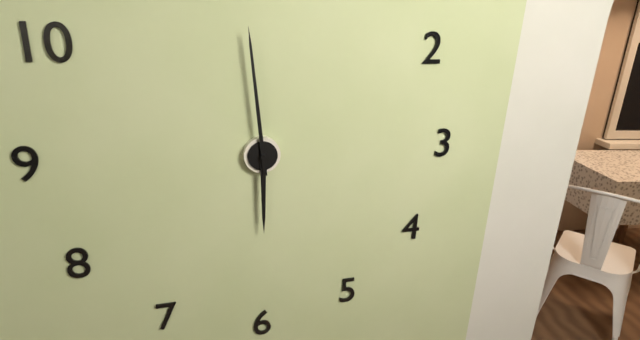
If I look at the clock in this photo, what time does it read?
5:59
